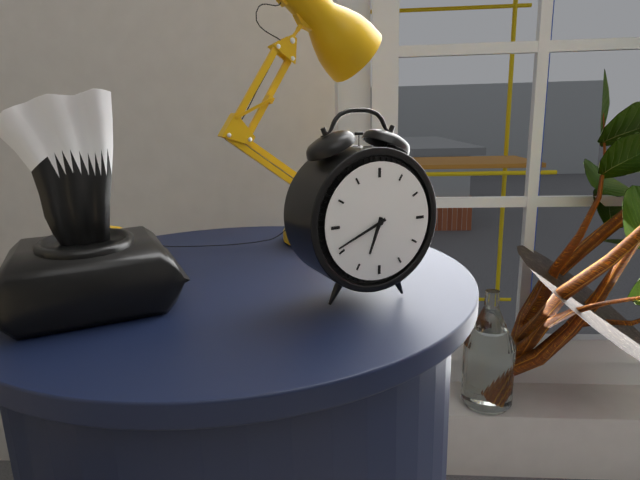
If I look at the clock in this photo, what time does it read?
6:41
